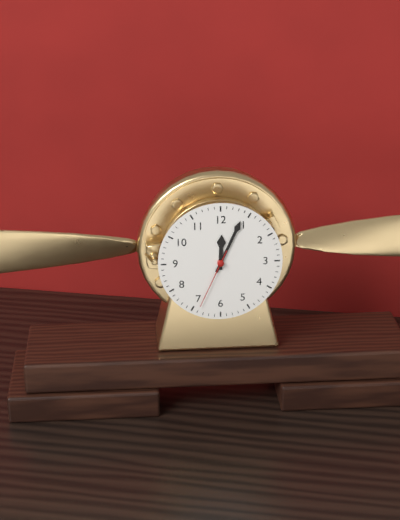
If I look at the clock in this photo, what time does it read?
12:04:34
